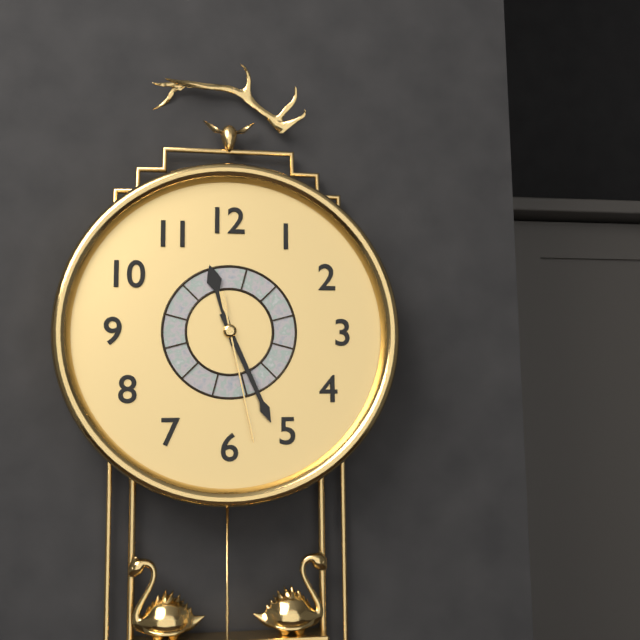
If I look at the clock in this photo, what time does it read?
11:26:28
